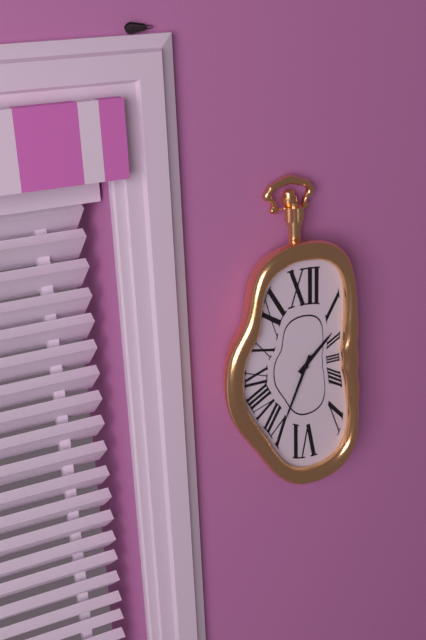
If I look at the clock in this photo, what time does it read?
1:34
